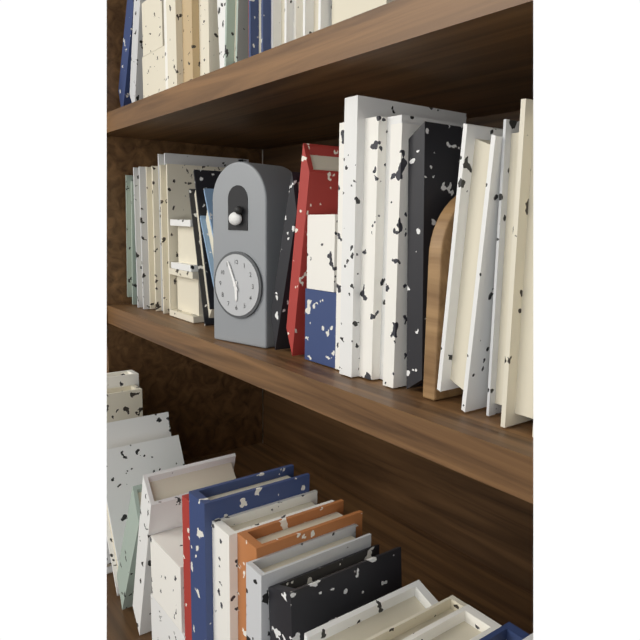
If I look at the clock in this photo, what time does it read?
5:56
